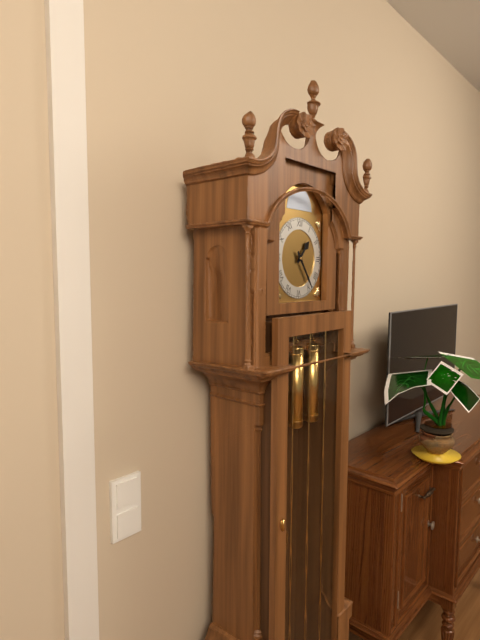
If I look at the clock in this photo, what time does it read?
1:24
